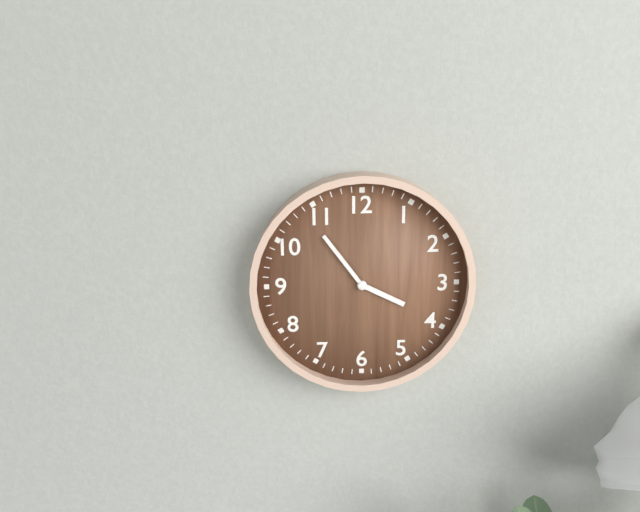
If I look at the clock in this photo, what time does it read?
3:54
